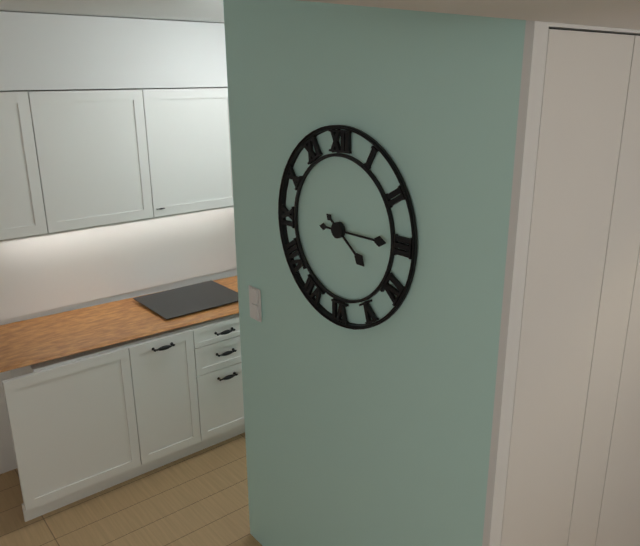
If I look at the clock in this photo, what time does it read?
4:15
